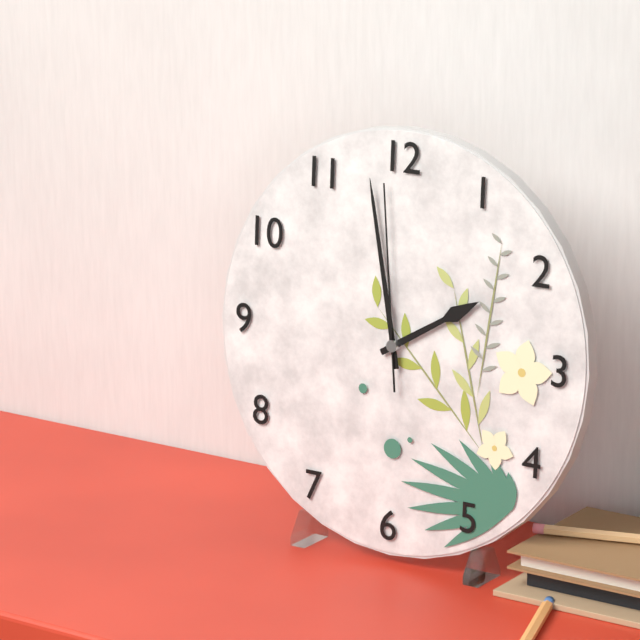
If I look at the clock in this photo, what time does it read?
1:58:59
